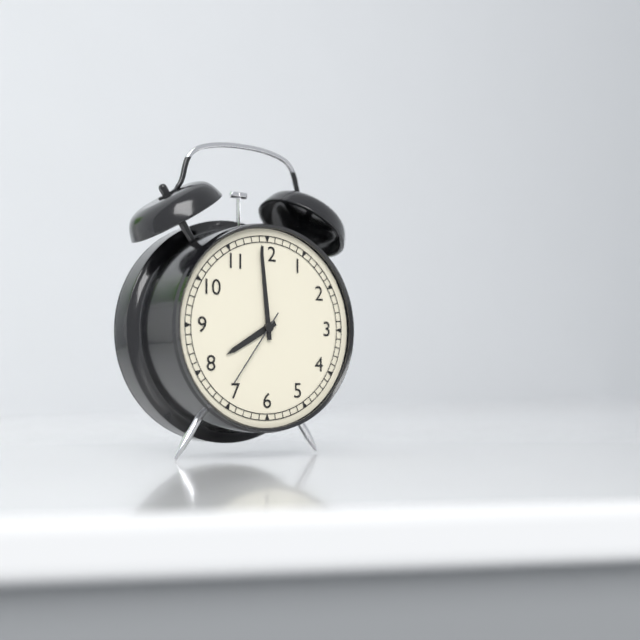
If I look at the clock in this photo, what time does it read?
7:59:36
